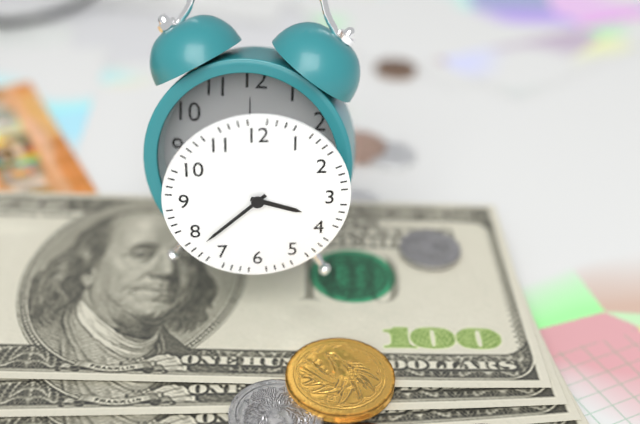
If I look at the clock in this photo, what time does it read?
3:38
